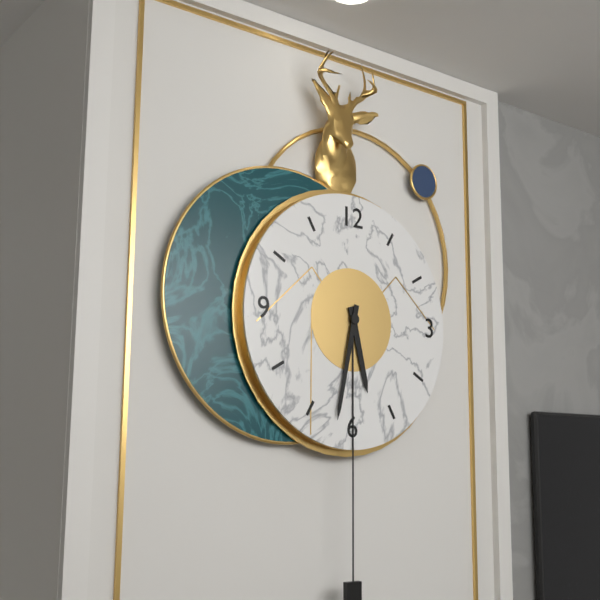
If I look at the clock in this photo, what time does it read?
5:32
